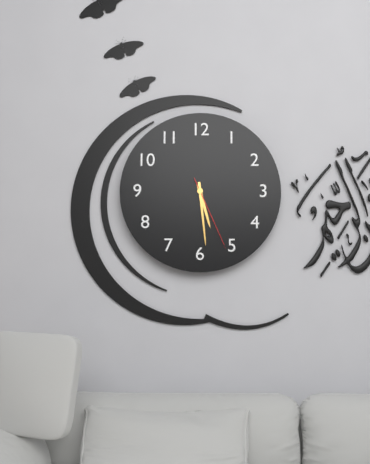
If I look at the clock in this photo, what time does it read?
5:29:26
